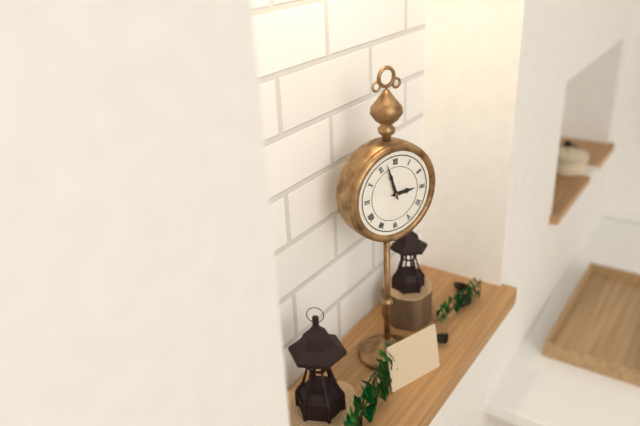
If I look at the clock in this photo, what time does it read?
2:57
